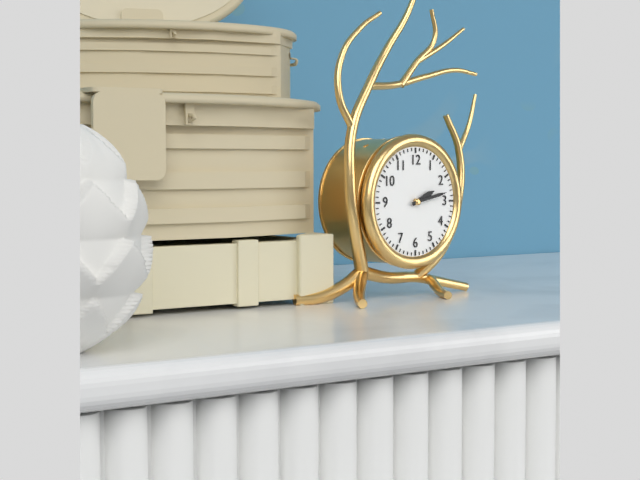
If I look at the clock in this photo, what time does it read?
2:13
